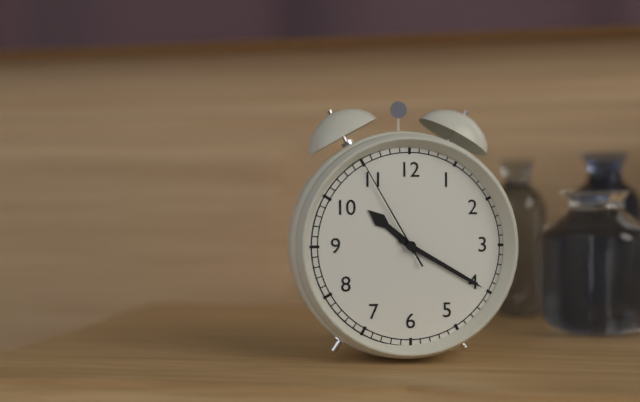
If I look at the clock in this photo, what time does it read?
10:20:55
